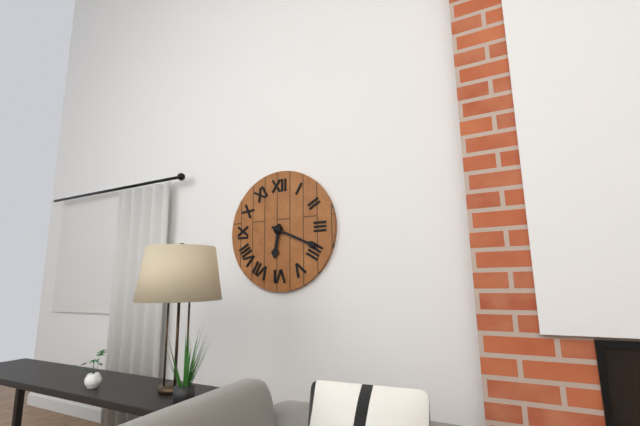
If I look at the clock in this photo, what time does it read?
6:19
